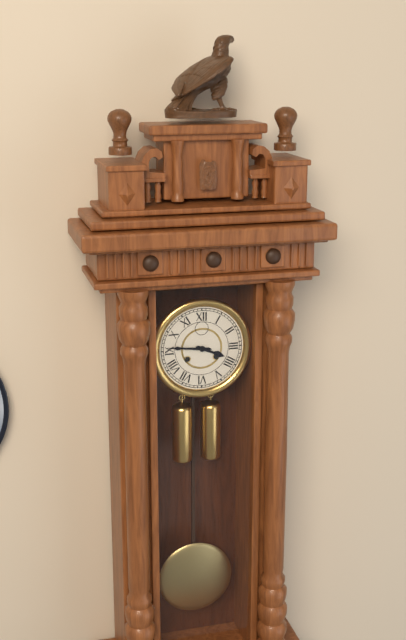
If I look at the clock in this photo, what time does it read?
3:46
